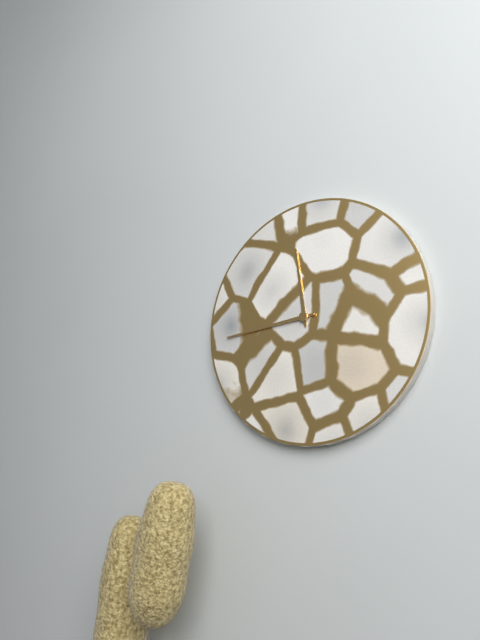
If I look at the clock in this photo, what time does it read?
11:44
